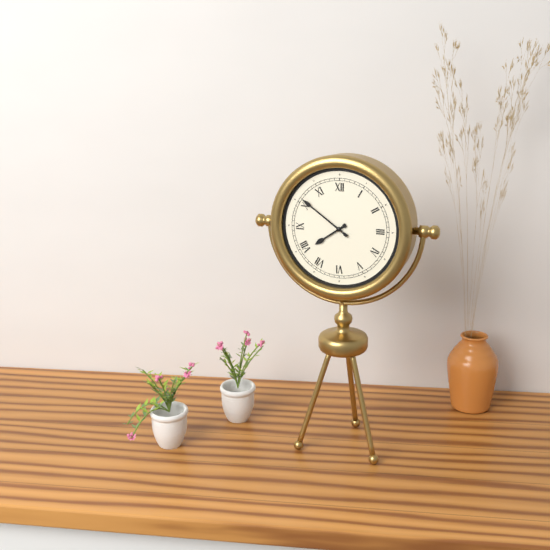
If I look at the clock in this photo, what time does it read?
7:51
